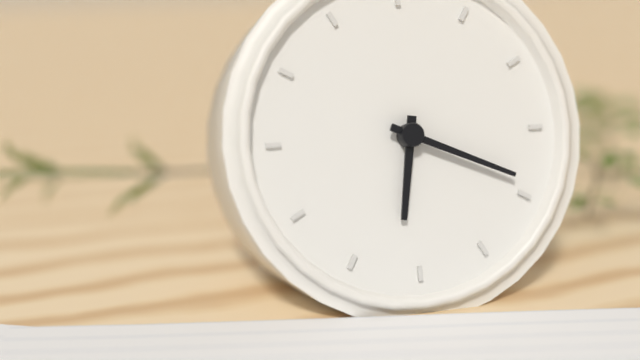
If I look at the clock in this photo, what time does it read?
6:19
